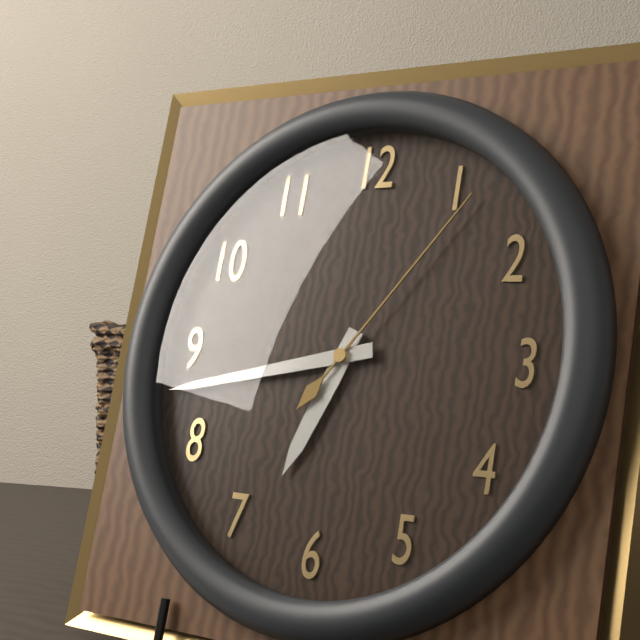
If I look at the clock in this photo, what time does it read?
6:43:06
